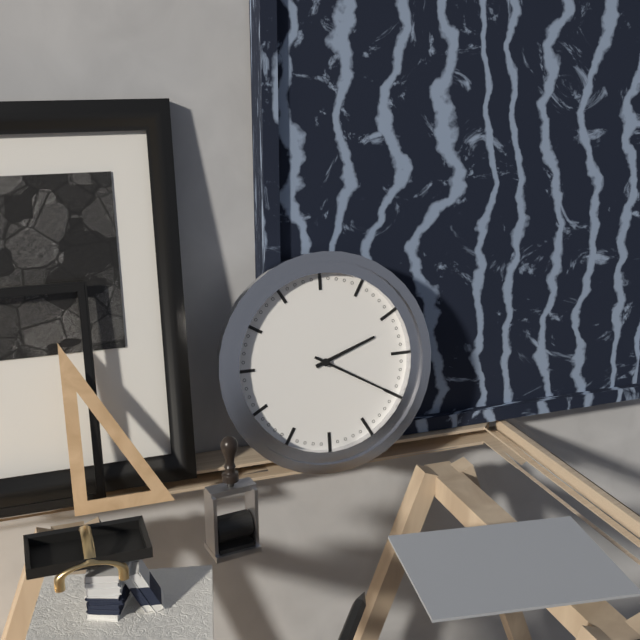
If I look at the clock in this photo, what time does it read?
2:20
